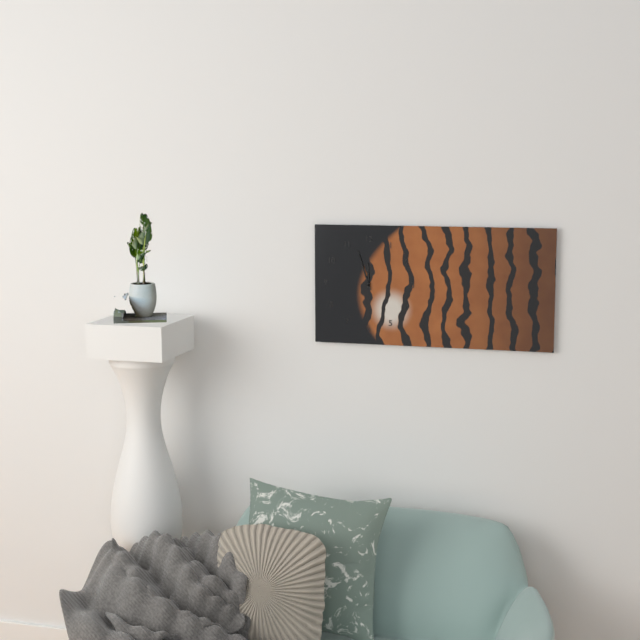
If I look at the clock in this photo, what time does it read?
11:57
